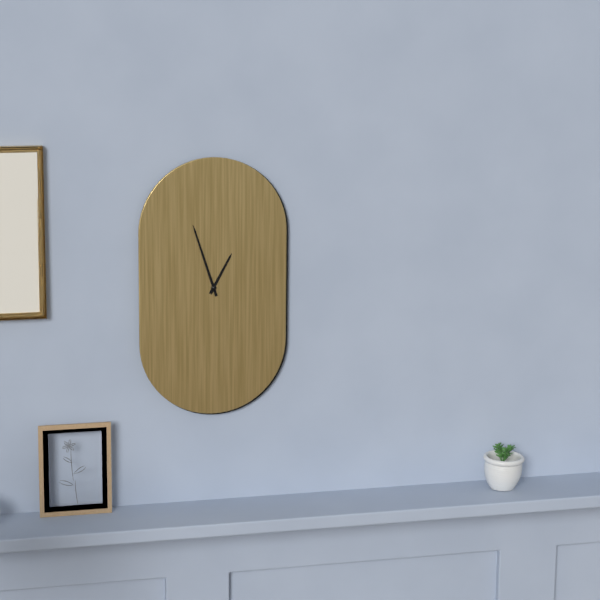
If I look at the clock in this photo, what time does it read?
12:57
